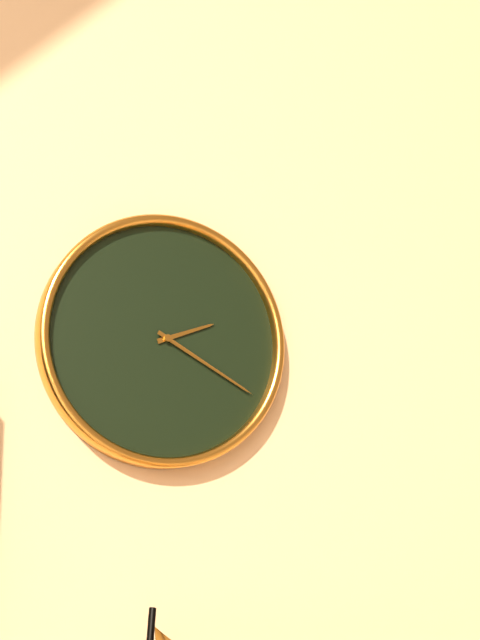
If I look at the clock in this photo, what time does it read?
2:20
